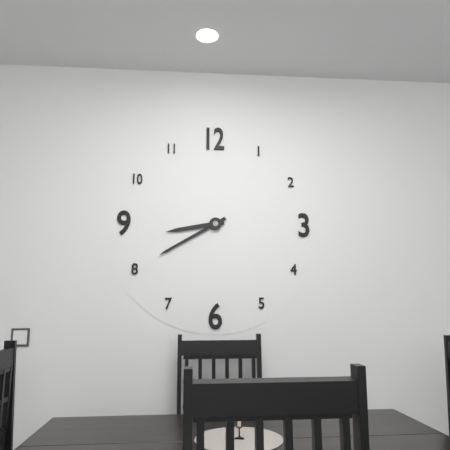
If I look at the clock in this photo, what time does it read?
8:40
